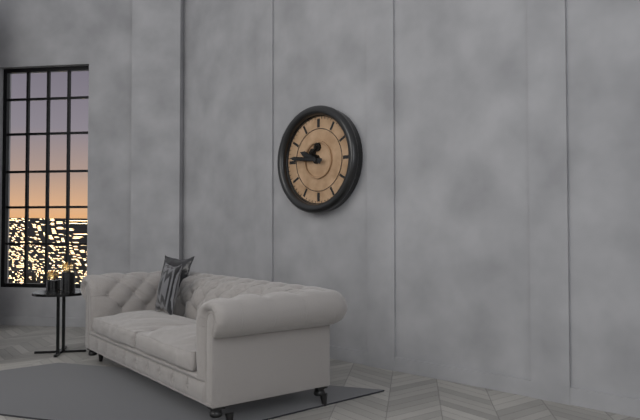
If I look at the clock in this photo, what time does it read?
9:46
